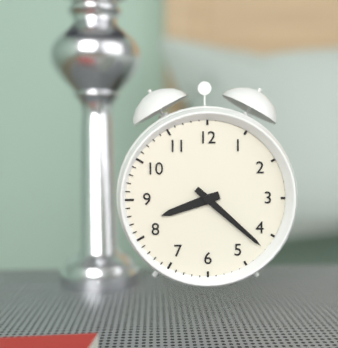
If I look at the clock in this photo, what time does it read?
8:22
